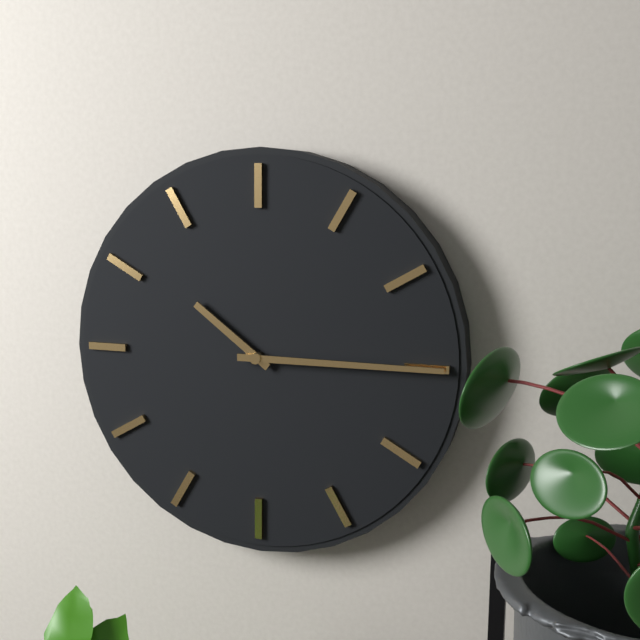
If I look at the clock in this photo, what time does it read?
10:15
